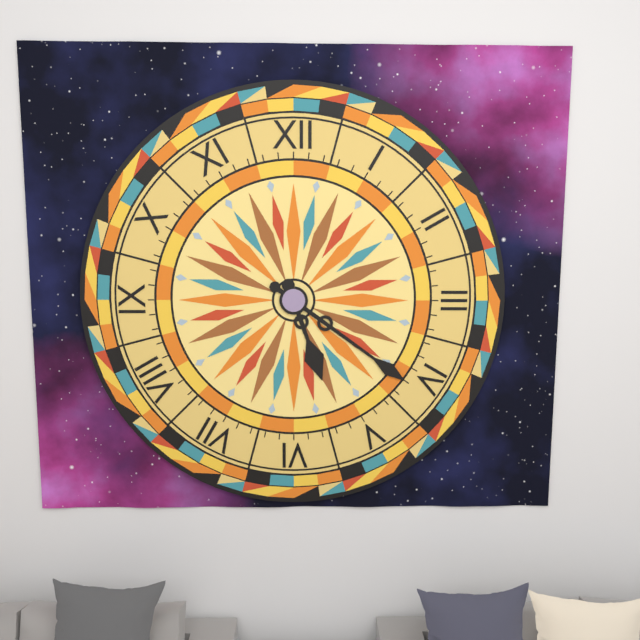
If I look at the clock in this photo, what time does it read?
5:21
